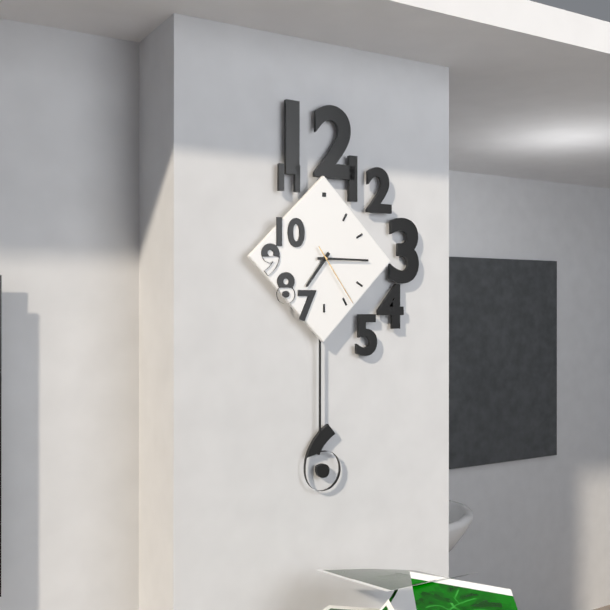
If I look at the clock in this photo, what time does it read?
7:15:24
